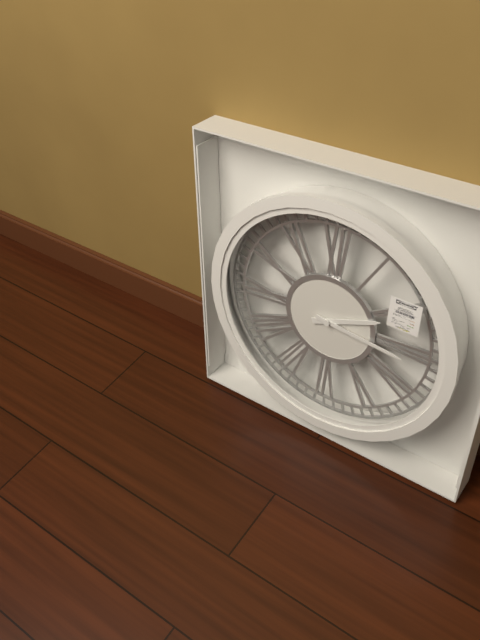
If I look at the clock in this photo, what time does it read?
2:16
